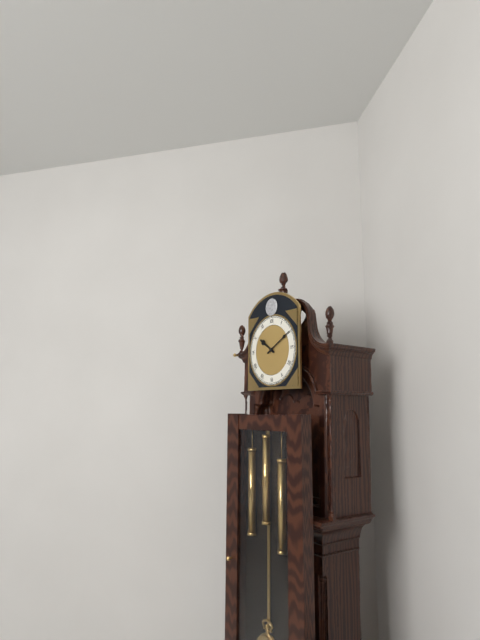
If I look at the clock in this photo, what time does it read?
10:10
